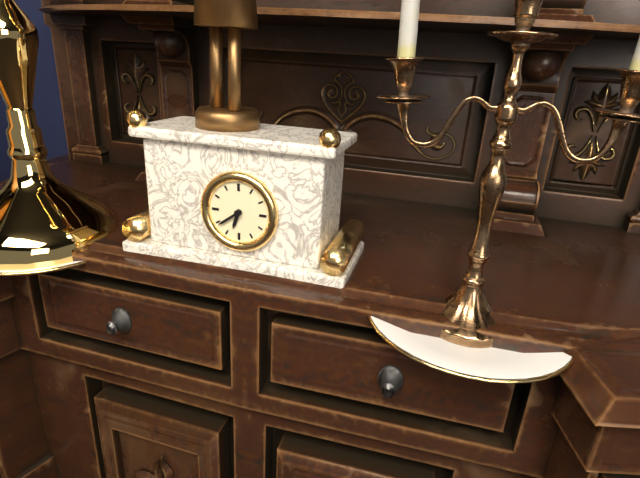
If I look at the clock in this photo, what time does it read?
6:39
